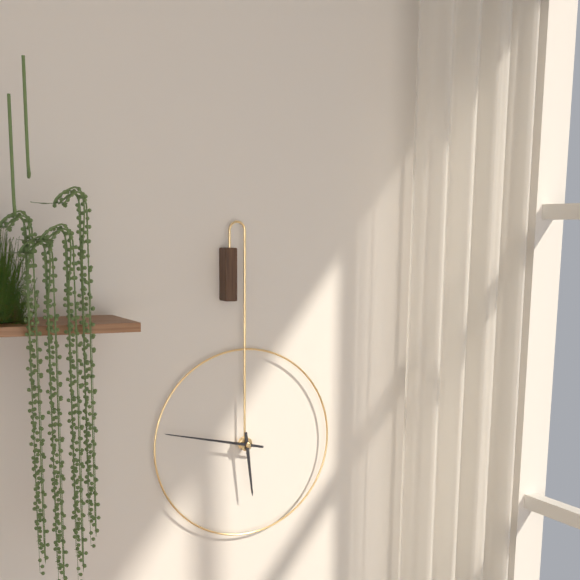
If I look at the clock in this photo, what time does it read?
5:47
